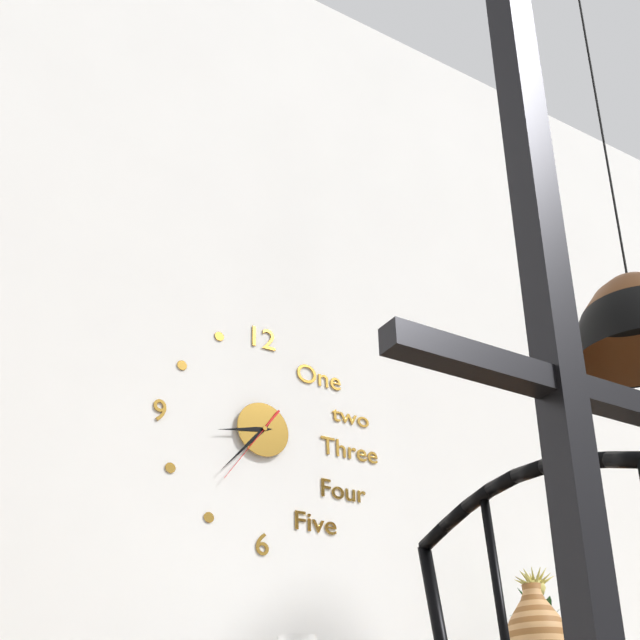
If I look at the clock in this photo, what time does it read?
8:37:36
